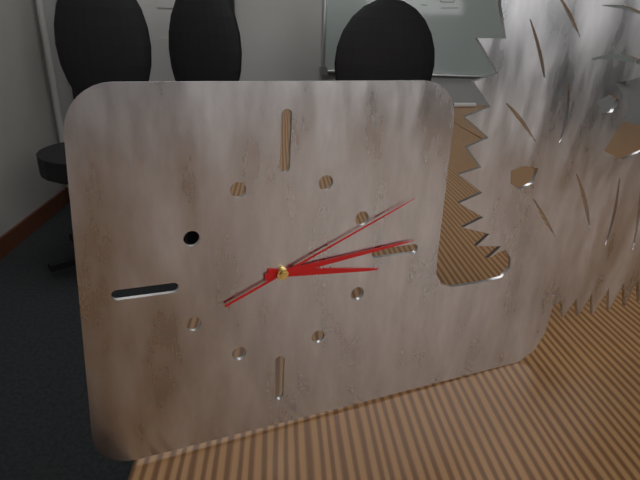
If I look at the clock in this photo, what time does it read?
3:14:11
